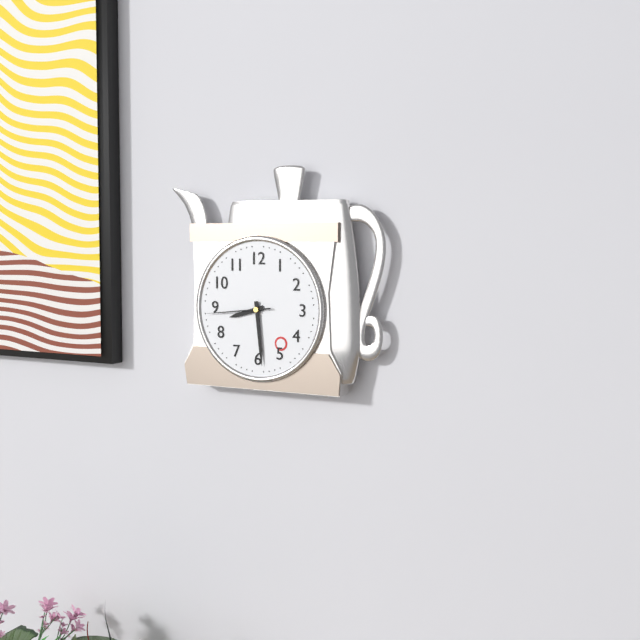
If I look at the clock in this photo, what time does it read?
8:29:44
